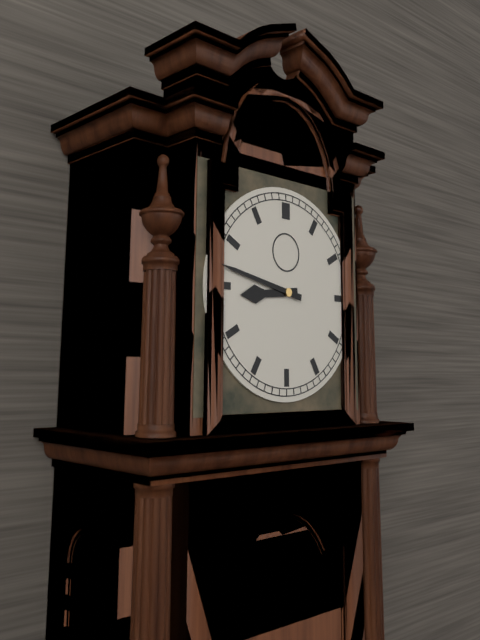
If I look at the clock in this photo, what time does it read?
8:47
